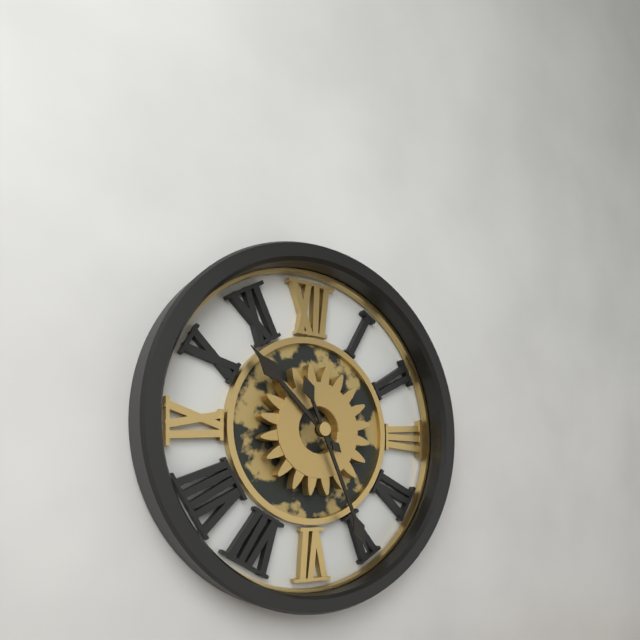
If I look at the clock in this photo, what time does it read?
10:26
